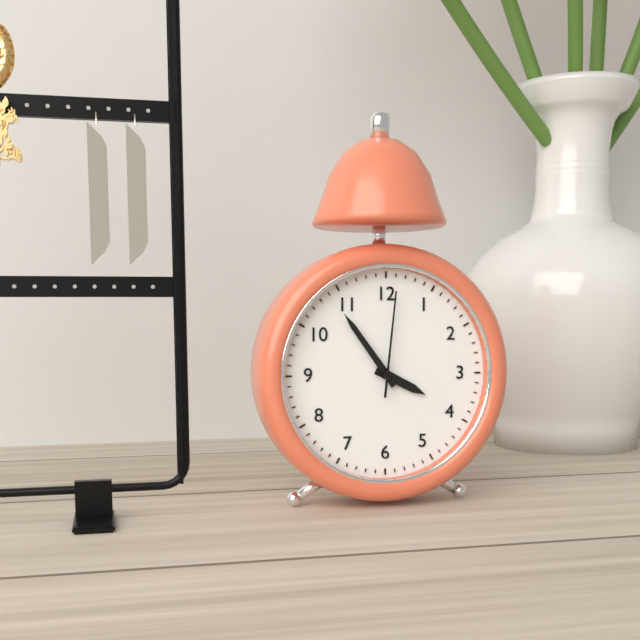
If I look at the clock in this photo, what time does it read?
3:54:01
